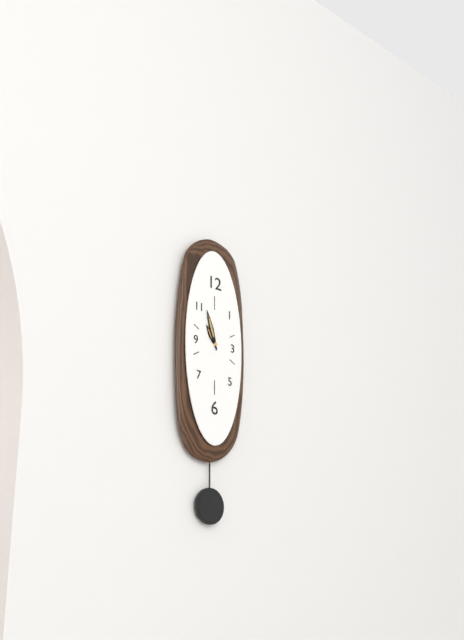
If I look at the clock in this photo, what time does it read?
10:57
